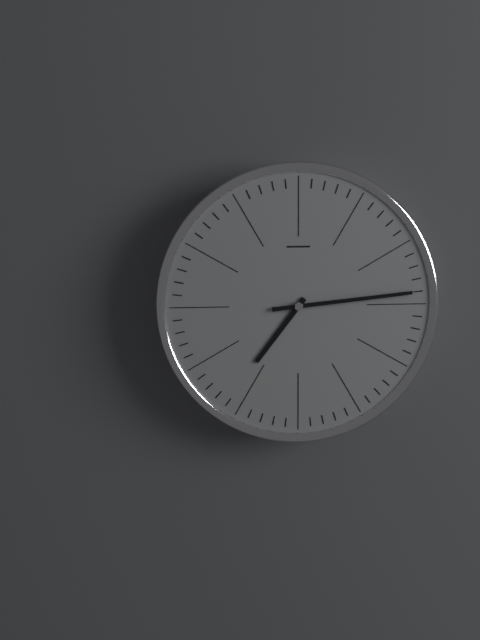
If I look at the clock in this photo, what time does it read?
7:14
